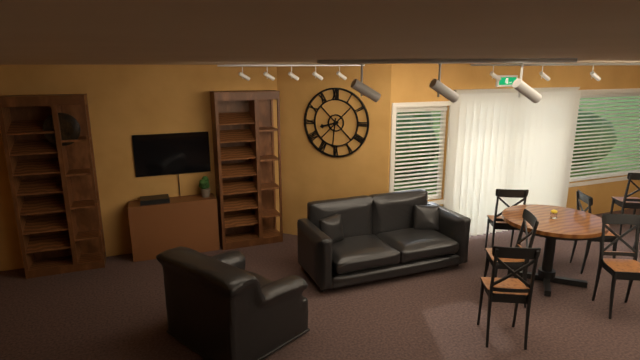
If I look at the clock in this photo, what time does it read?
8:31
